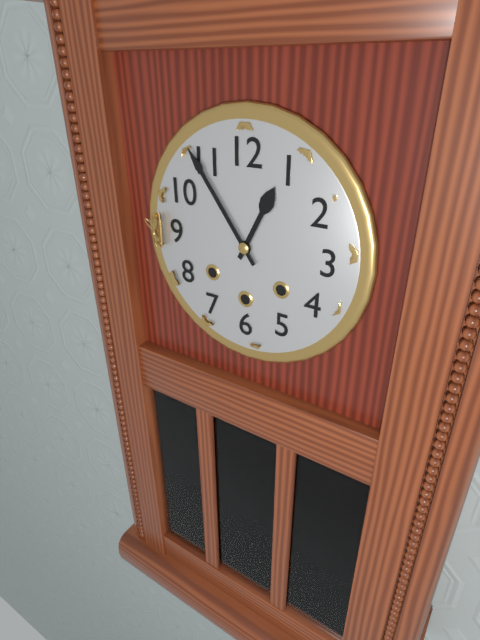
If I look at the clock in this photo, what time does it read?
12:54
